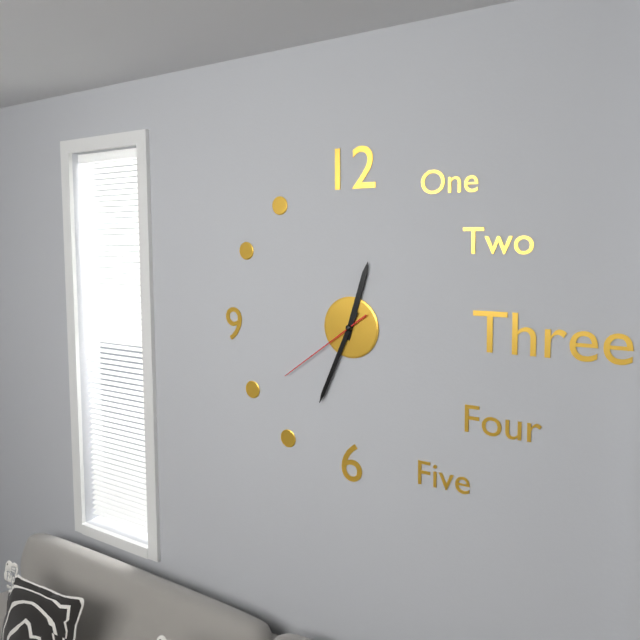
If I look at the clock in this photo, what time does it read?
12:34:39
